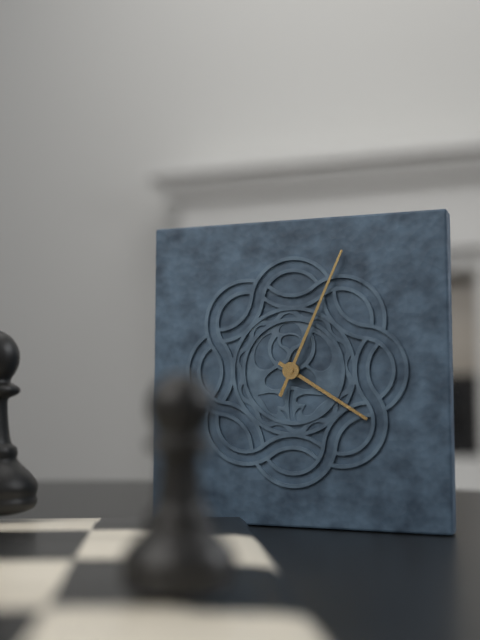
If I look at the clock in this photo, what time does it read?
4:04
